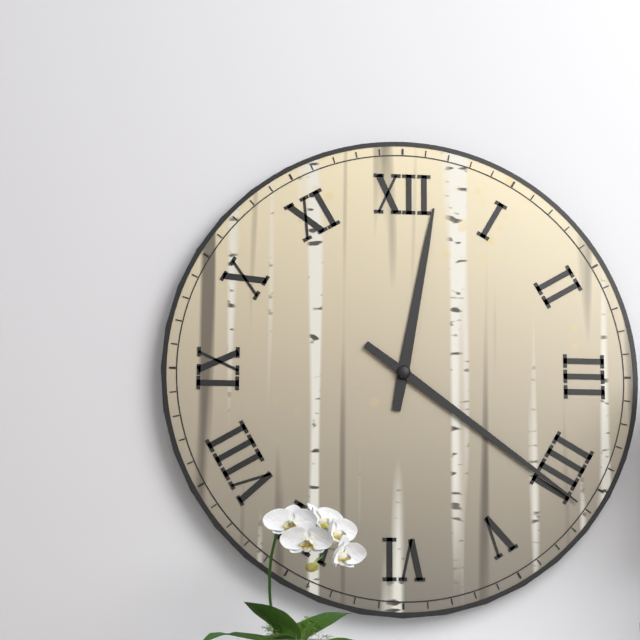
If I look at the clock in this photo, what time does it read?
12:21
